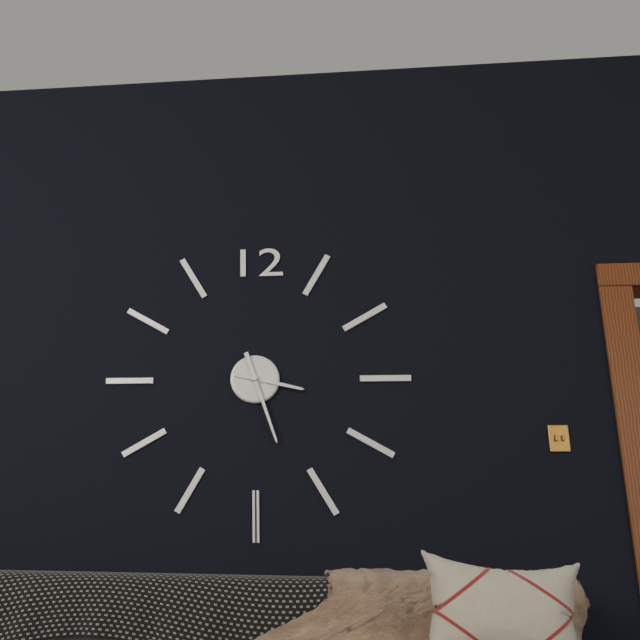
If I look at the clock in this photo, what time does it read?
3:27
